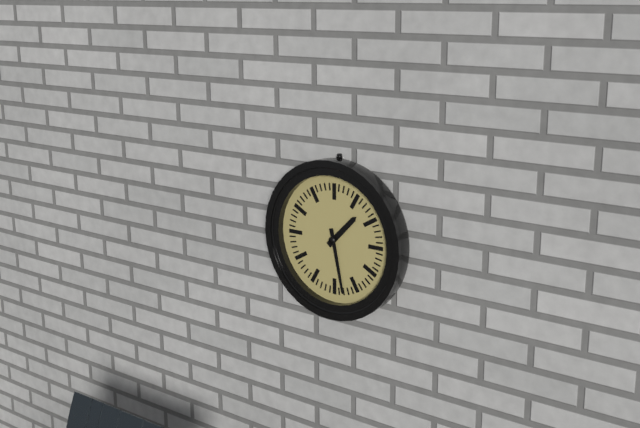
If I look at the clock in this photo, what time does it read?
1:28
